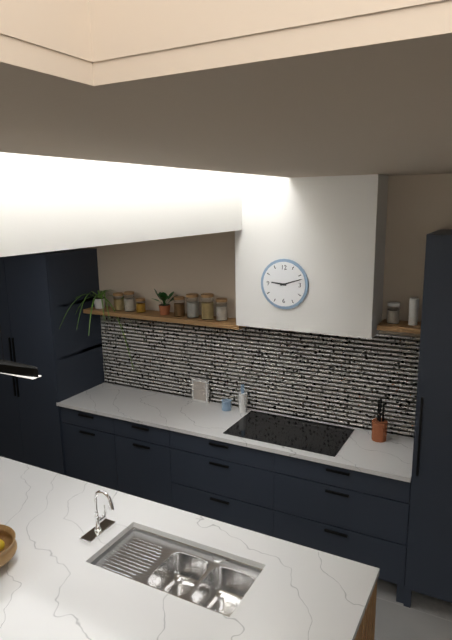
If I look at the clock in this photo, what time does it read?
9:12
